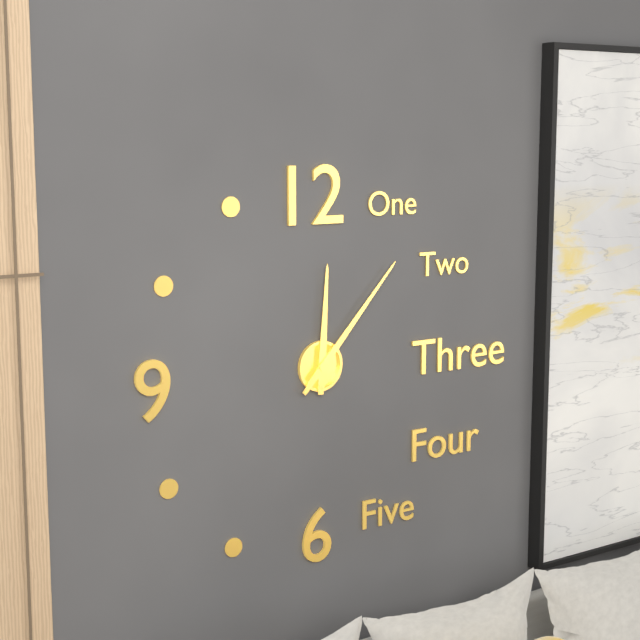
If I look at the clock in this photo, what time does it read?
12:07
